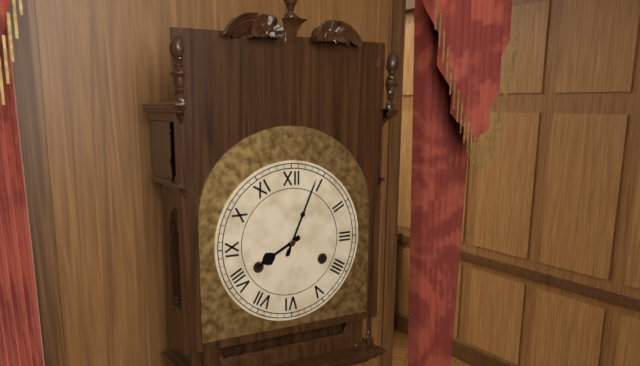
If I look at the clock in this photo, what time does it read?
8:04
